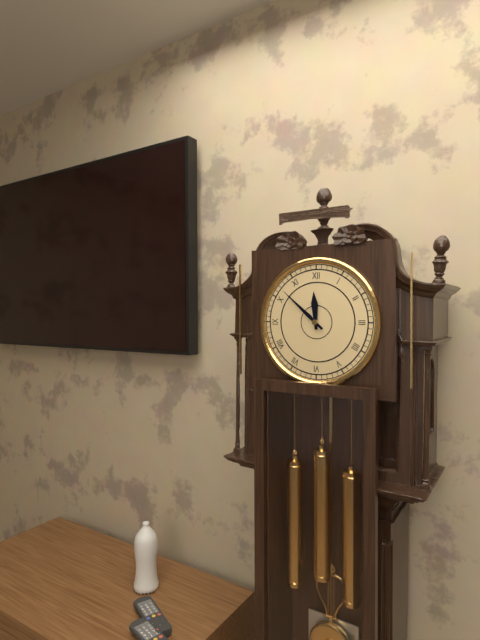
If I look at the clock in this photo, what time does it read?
11:52
